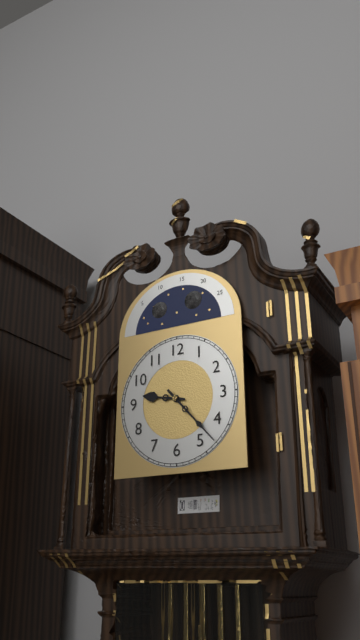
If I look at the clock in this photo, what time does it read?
9:23
